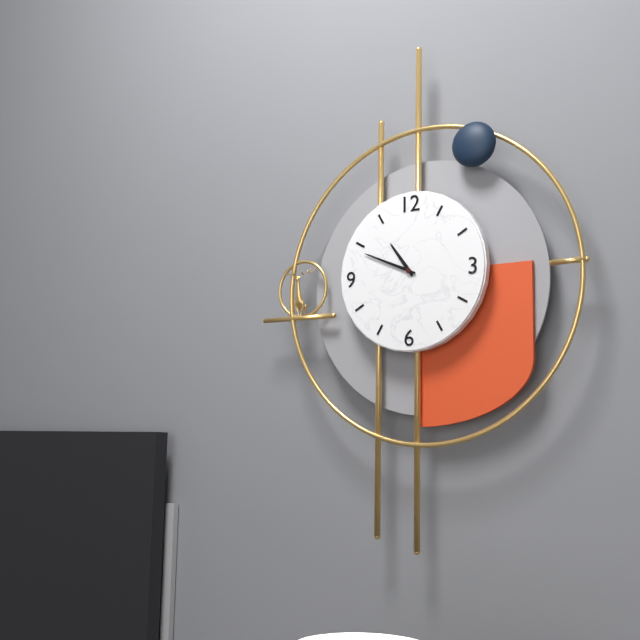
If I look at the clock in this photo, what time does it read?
10:49
